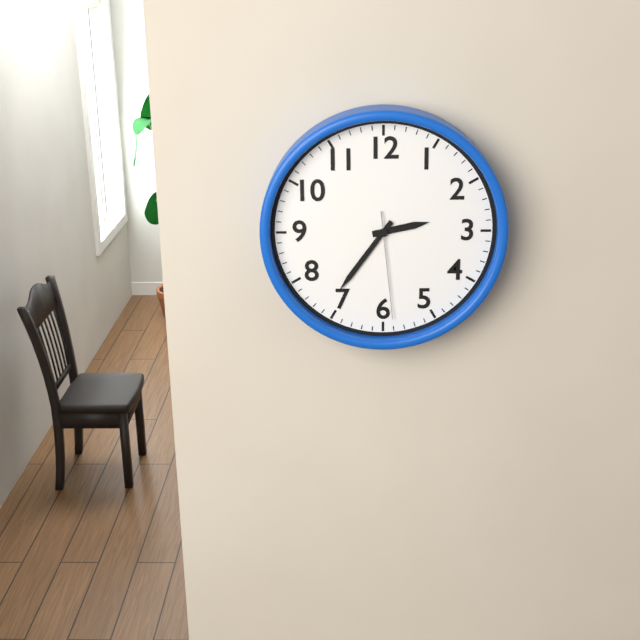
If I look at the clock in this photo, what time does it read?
2:36:29
